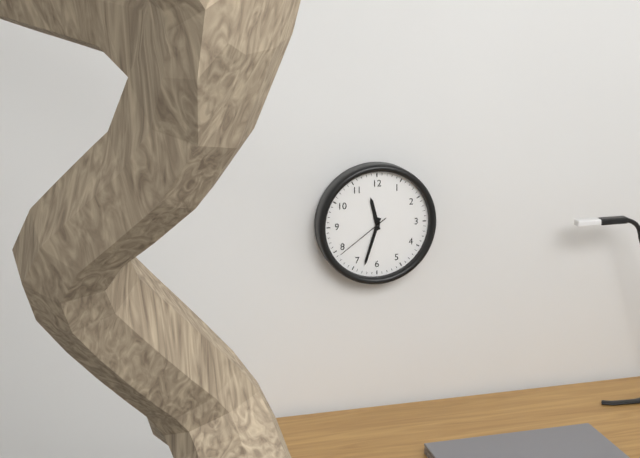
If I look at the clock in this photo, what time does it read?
11:33:39
